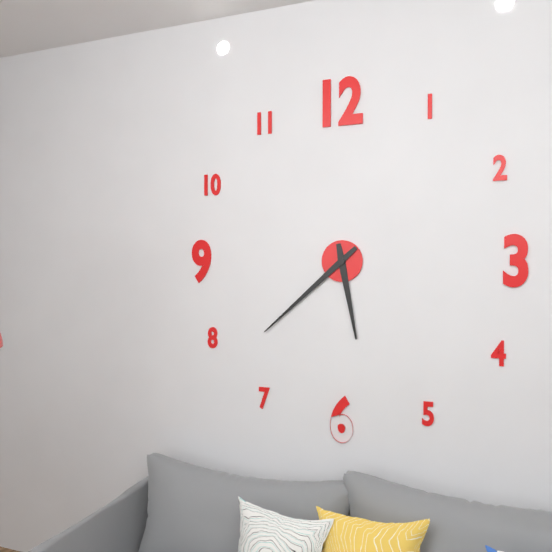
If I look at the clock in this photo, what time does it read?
5:38
